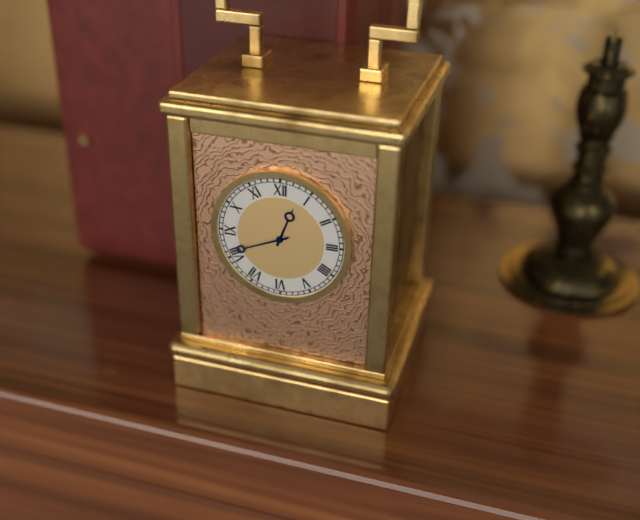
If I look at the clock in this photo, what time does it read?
12:41
